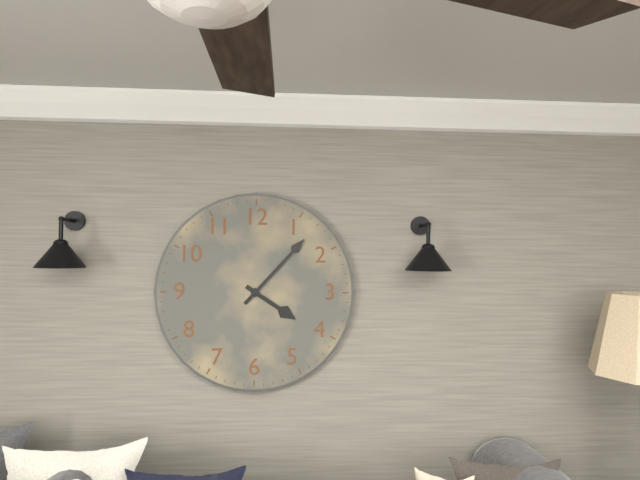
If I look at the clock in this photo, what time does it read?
4:07
